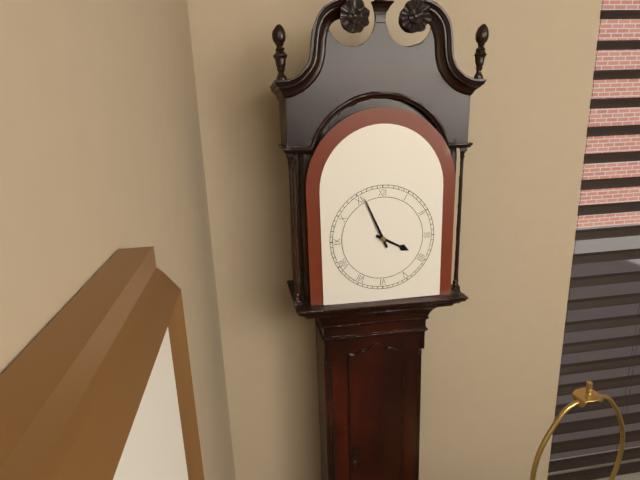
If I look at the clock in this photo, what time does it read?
3:56
